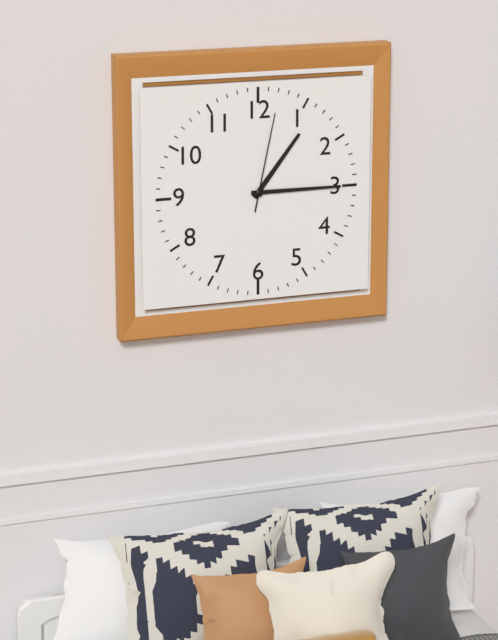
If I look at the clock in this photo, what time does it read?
1:15:02
